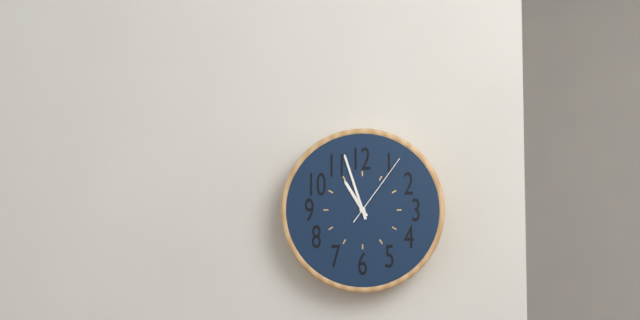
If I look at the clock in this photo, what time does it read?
10:57:06
